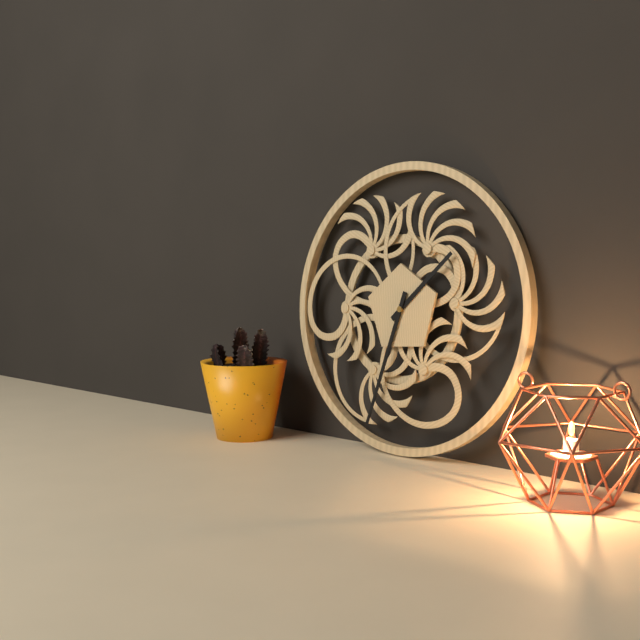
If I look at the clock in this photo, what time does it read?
1:33
